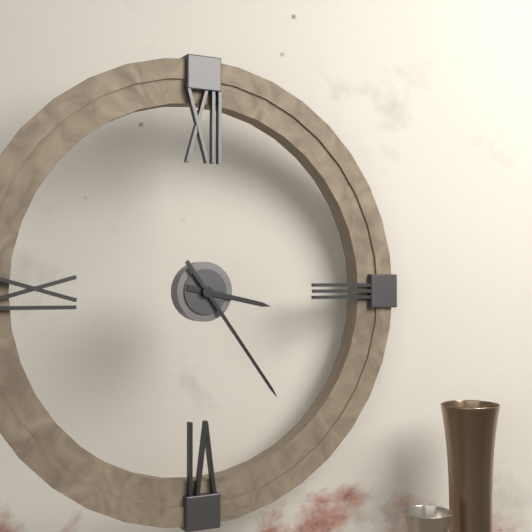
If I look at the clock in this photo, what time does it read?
3:24
